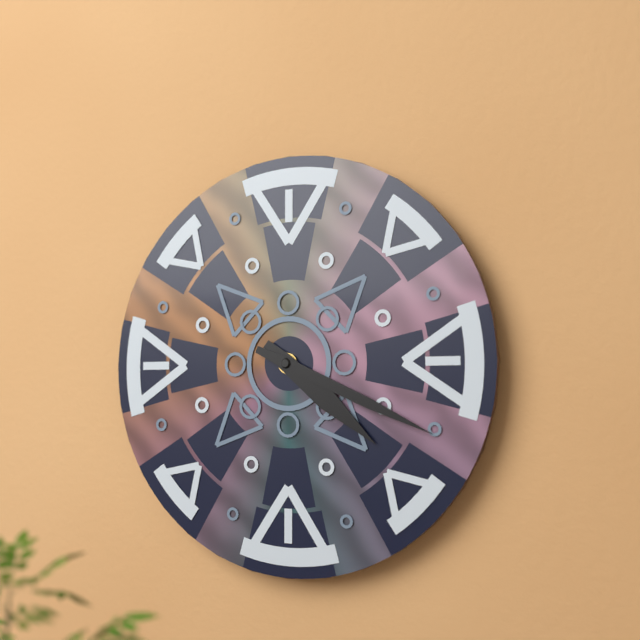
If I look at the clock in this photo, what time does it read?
4:19
